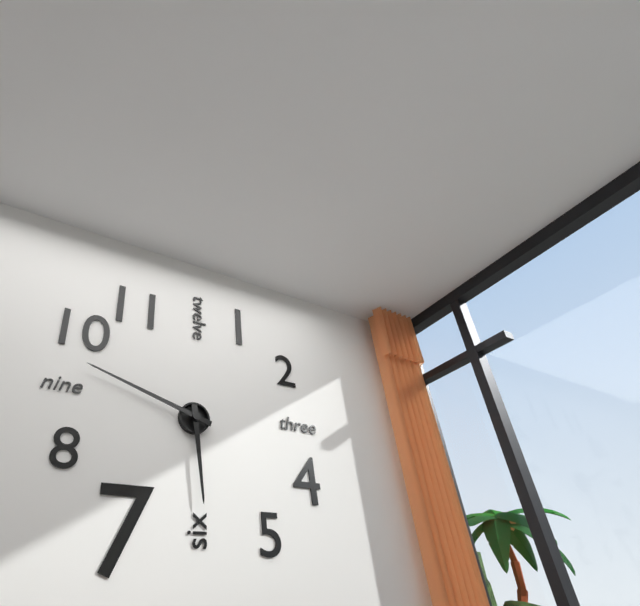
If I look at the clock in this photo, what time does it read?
5:48
